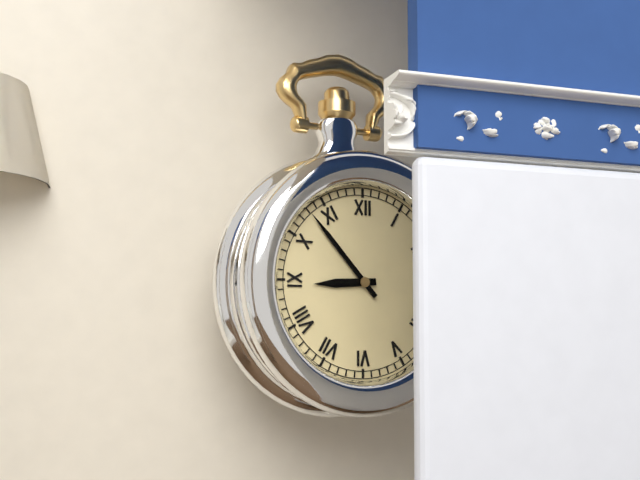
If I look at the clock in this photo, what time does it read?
8:53
